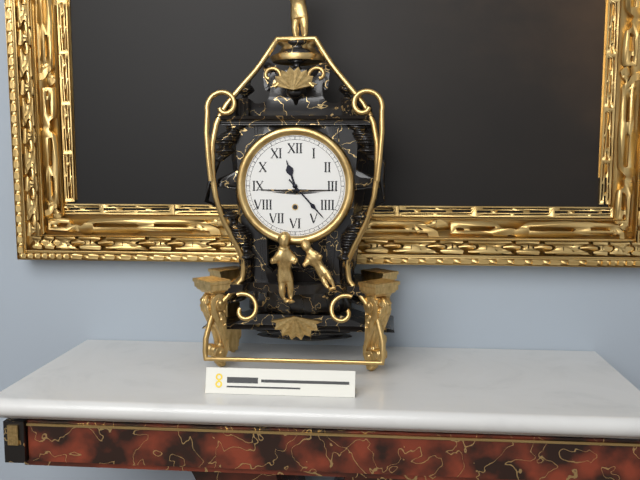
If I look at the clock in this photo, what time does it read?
11:23
